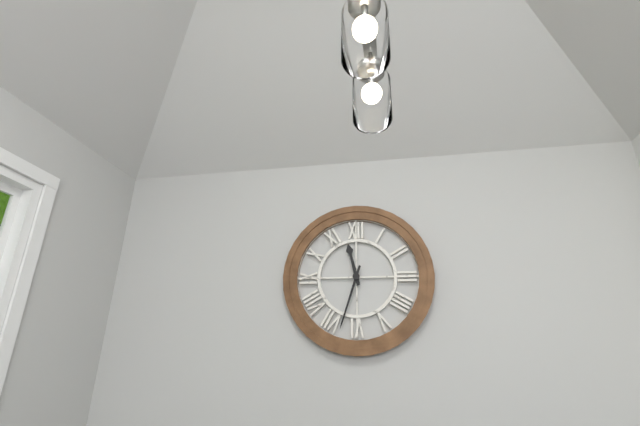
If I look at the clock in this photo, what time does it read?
11:33
